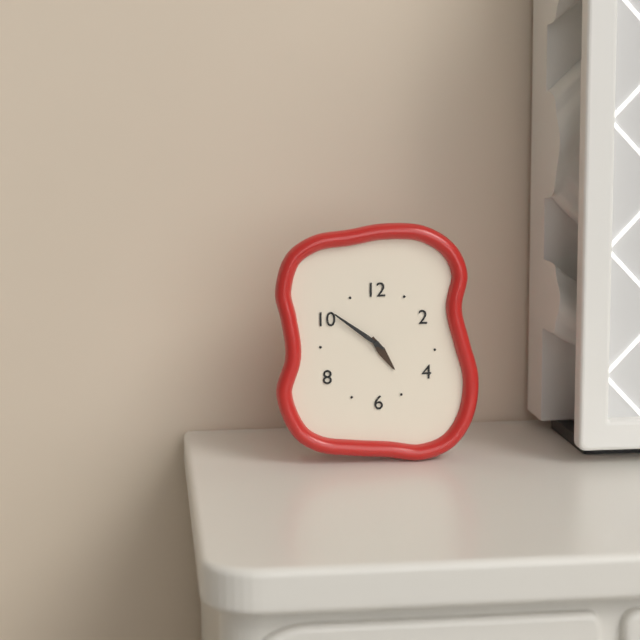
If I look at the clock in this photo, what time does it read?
4:51
